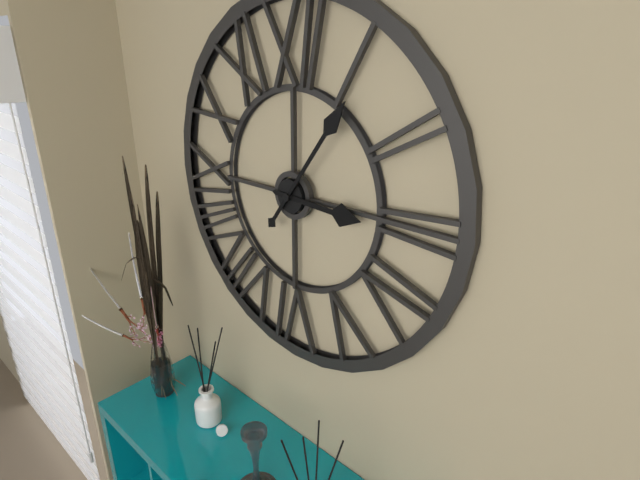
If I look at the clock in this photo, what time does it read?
3:06
